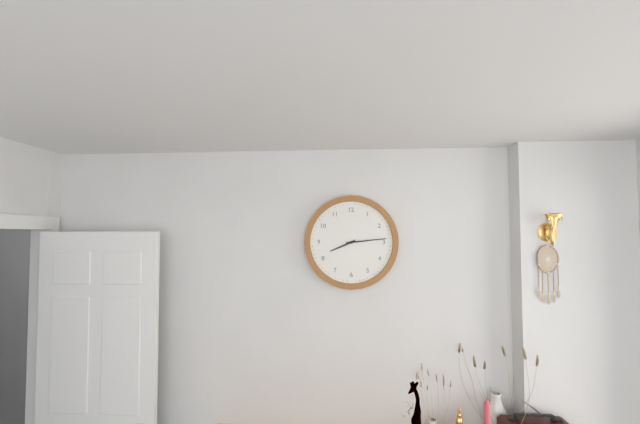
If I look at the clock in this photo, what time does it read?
8:14
